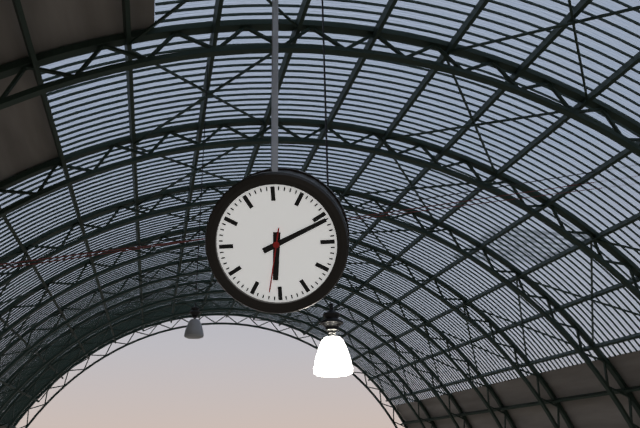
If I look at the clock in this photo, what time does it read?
6:11:32
